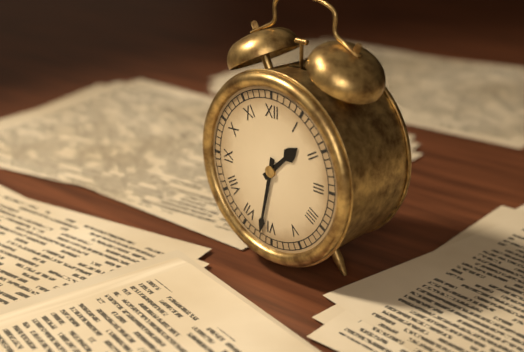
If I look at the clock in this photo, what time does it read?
1:32
